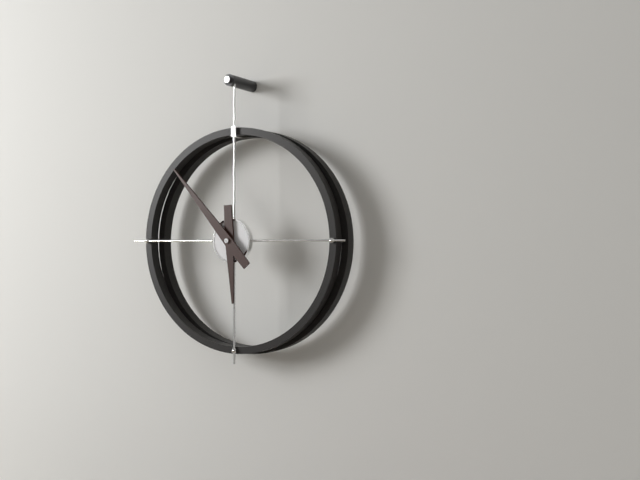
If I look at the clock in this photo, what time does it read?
5:53
